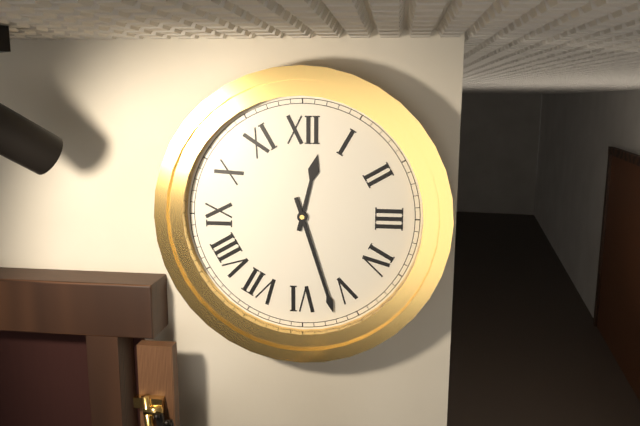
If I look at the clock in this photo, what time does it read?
12:27
